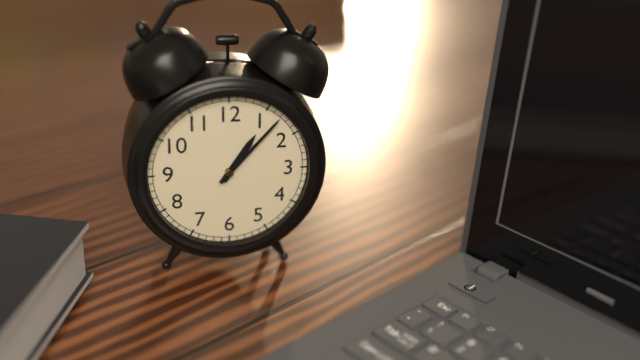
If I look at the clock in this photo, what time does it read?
1:07
